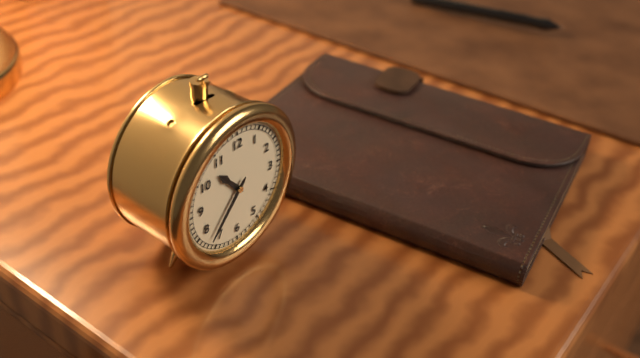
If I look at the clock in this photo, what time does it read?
10:37
